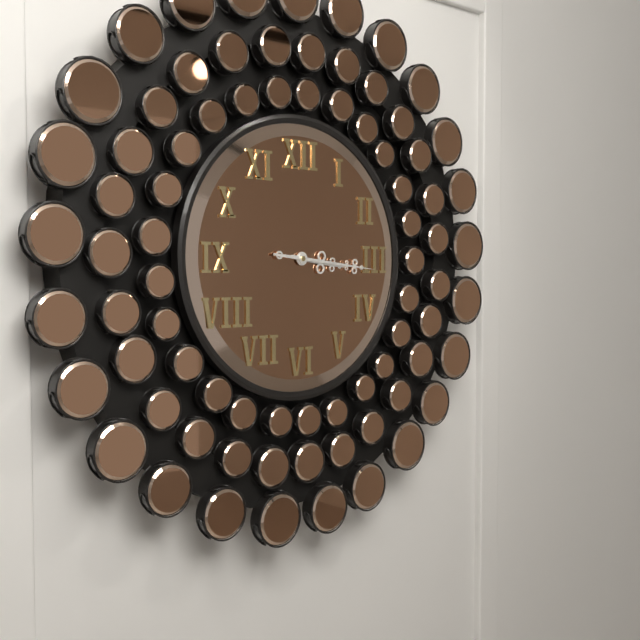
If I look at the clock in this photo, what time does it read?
3:16
